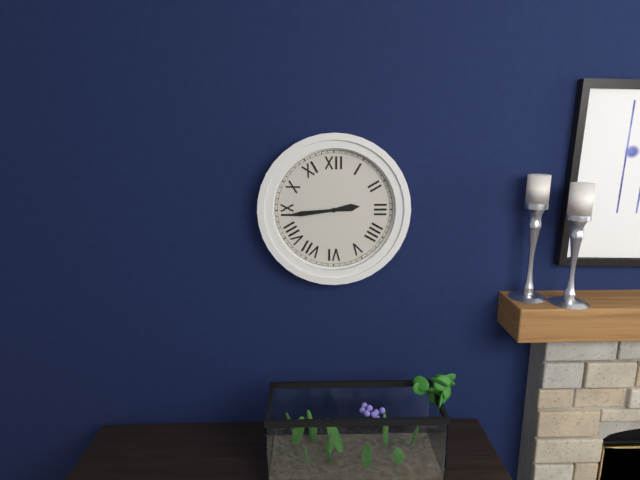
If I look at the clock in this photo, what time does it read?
2:44
